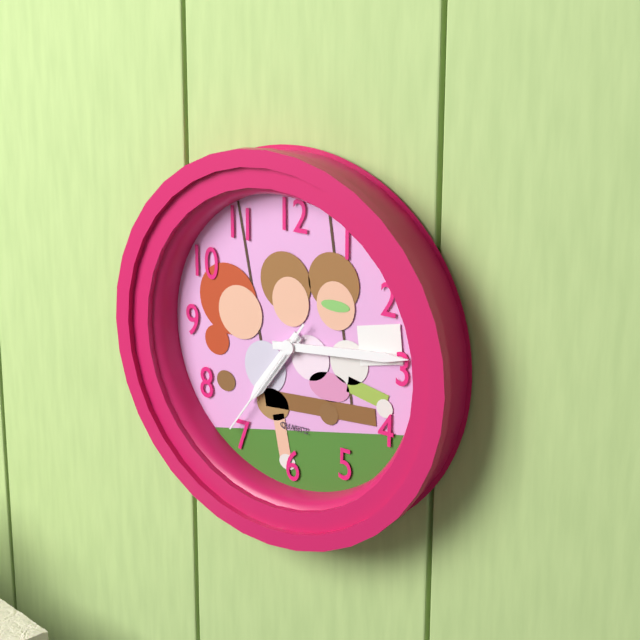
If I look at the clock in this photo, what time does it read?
7:14:36
